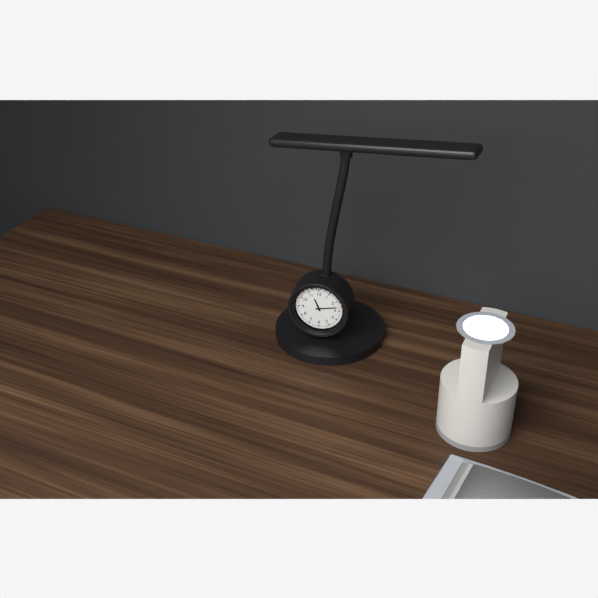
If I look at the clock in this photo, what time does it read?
11:13
